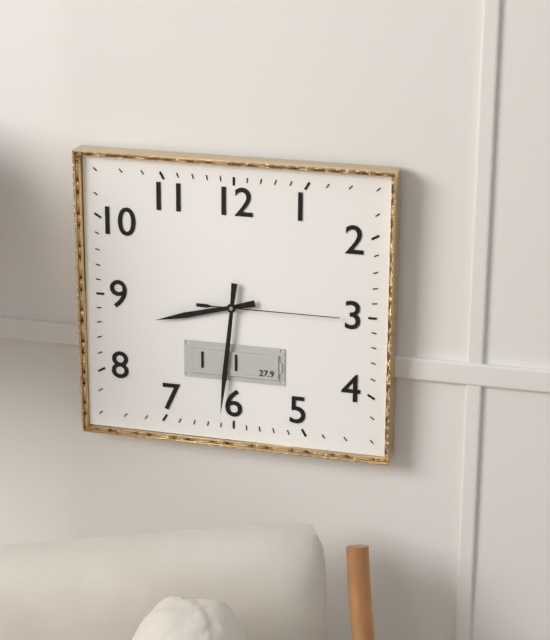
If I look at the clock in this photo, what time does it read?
8:31:15
